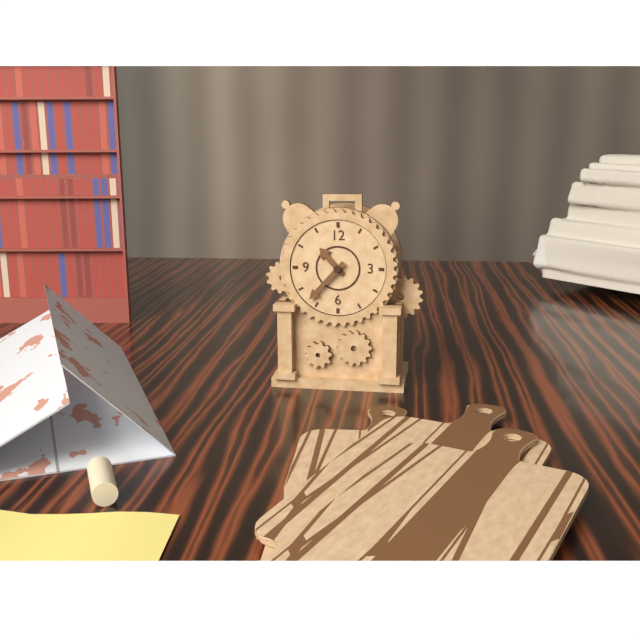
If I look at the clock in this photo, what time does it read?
10:37
